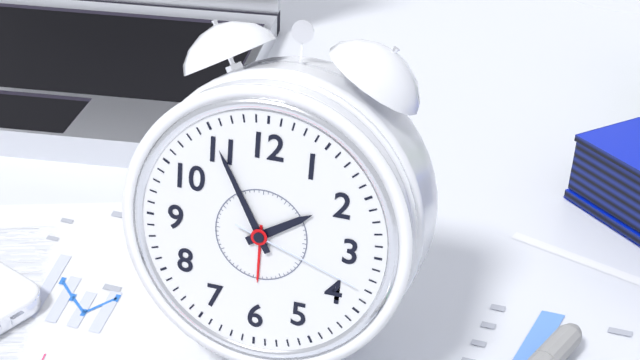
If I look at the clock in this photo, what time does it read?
1:55:18
